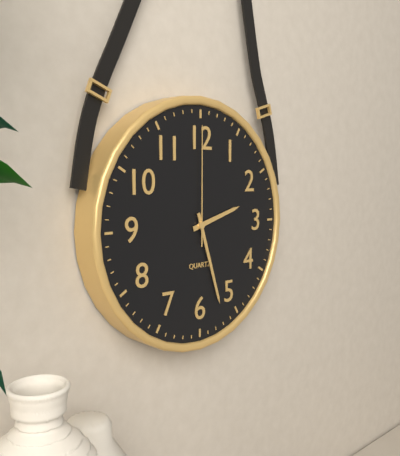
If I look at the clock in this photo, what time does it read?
2:27:00
